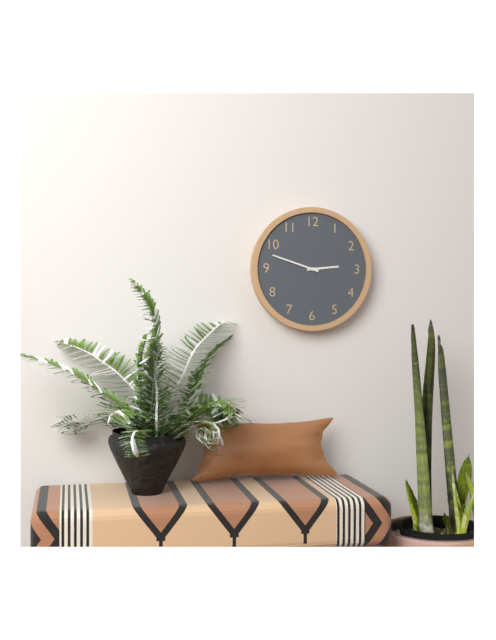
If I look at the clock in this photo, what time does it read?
2:48
